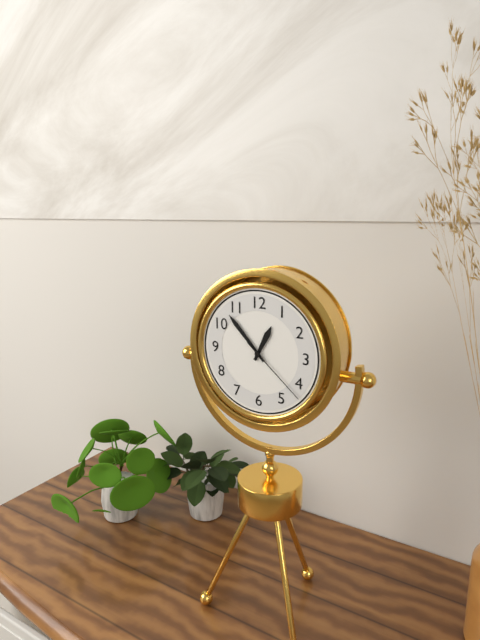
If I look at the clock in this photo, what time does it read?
12:53:22
